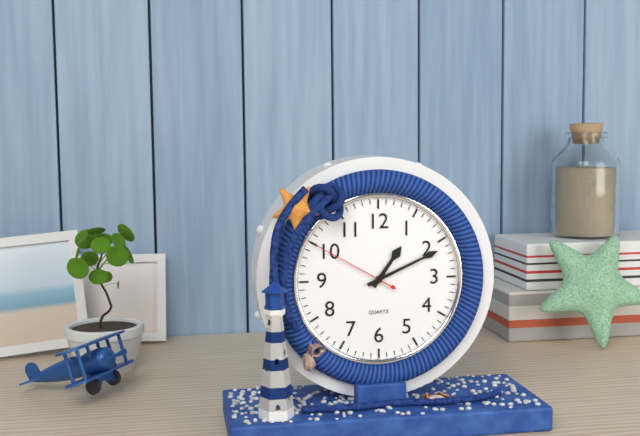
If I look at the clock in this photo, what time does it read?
1:11:50
